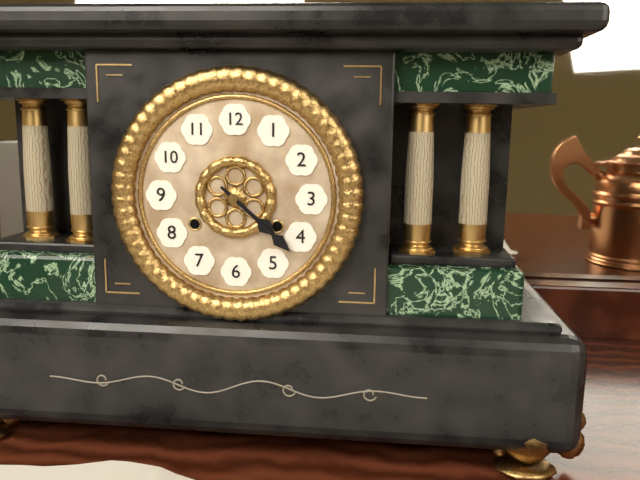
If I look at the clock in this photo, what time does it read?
4:22
